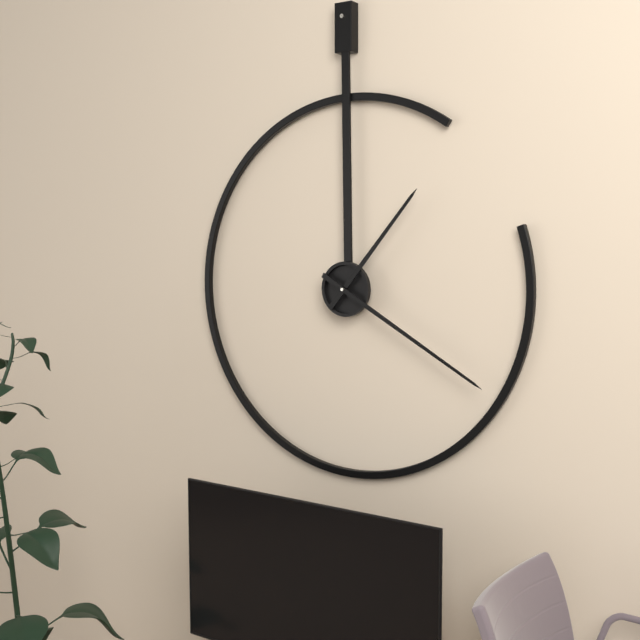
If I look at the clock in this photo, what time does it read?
1:20
